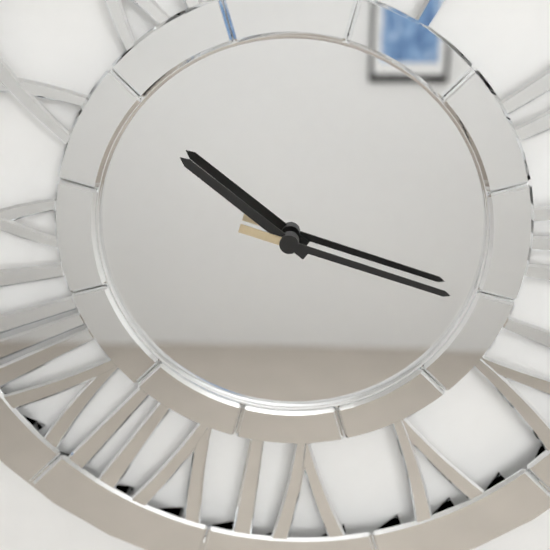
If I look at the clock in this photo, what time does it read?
10:18
